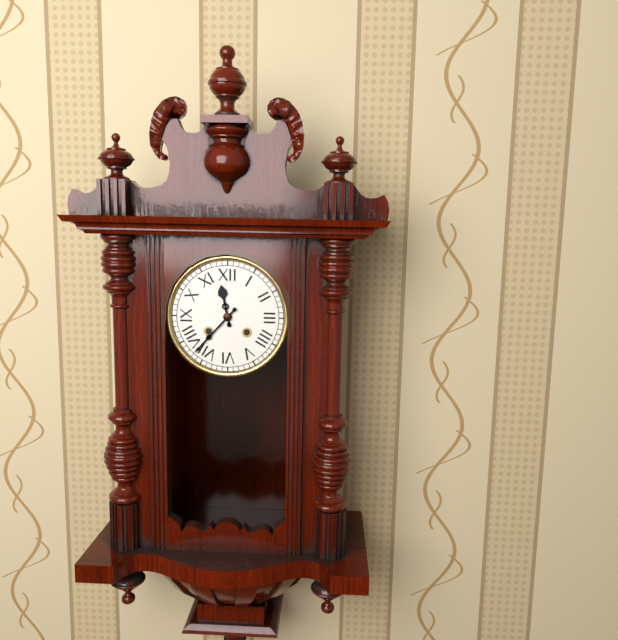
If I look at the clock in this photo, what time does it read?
11:37
